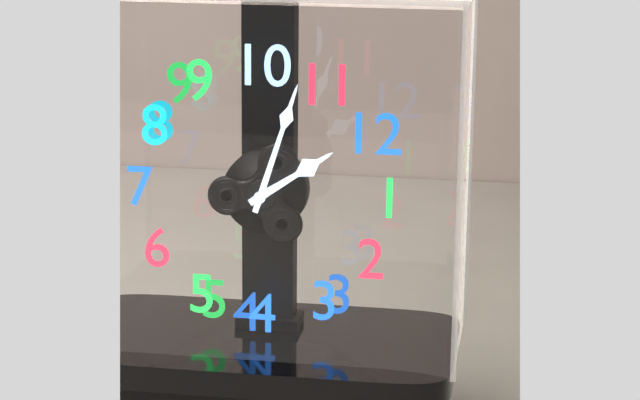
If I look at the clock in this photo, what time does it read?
11:53
